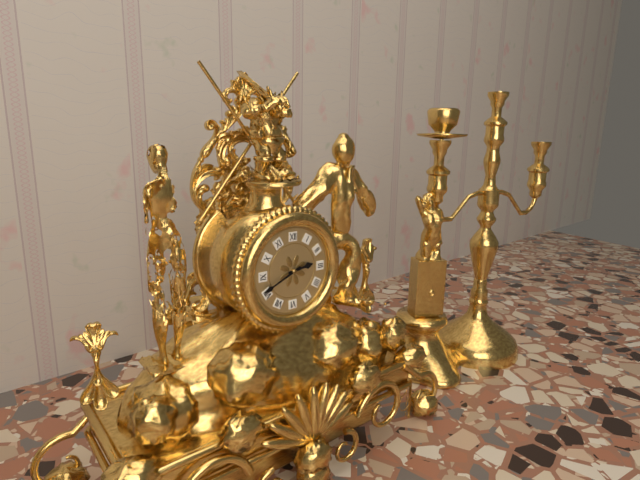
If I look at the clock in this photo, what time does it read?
2:41
